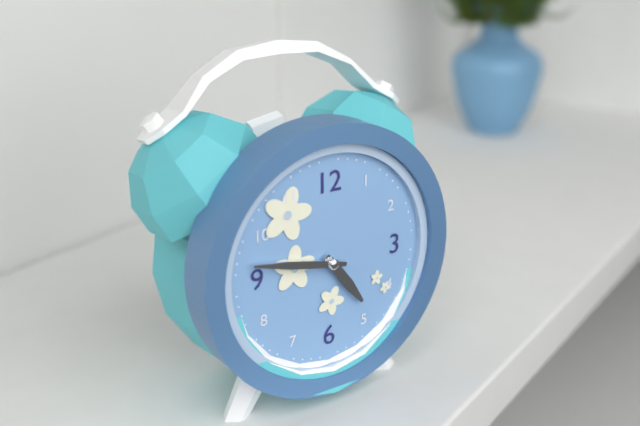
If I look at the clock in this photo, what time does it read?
4:47
